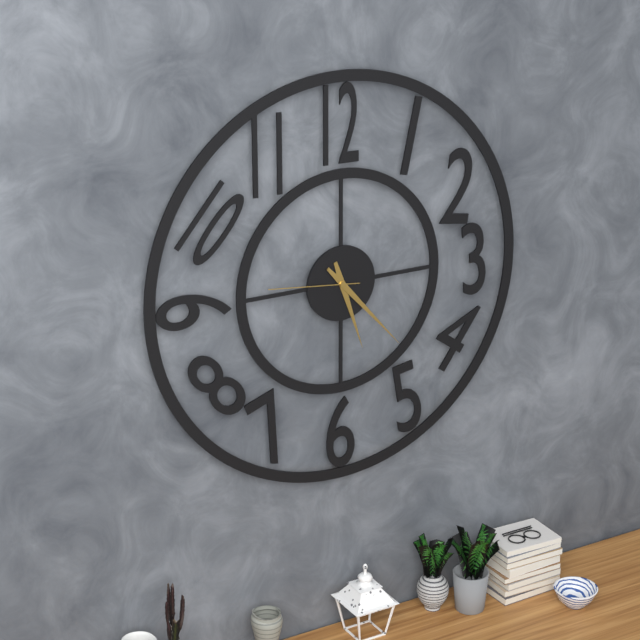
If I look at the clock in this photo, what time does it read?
5:23:46
